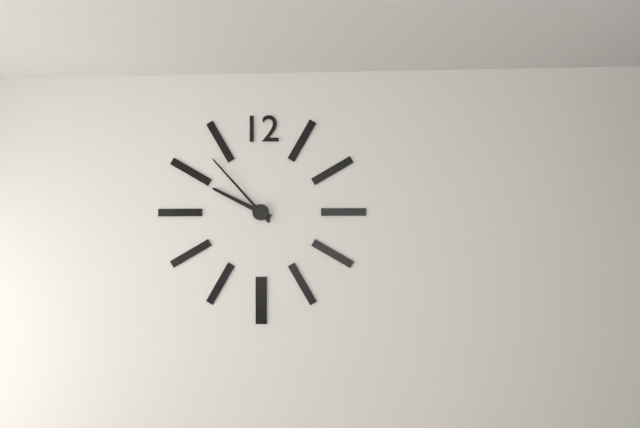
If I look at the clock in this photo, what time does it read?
9:53
